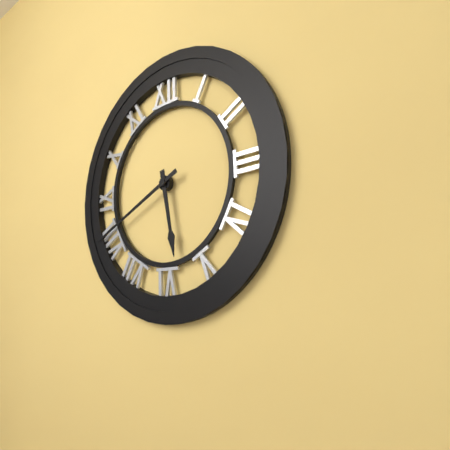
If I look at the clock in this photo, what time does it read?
5:41
